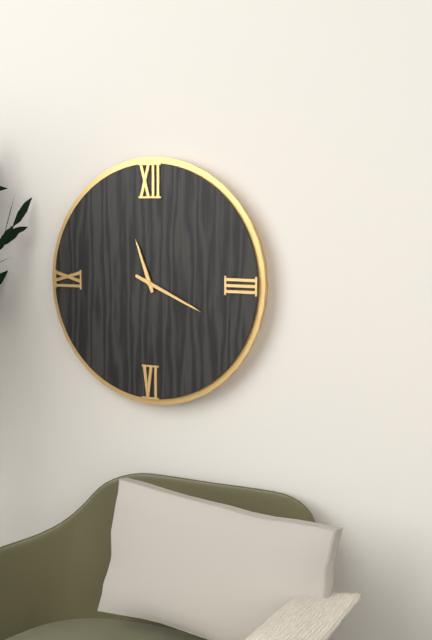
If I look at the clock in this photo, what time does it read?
11:19
